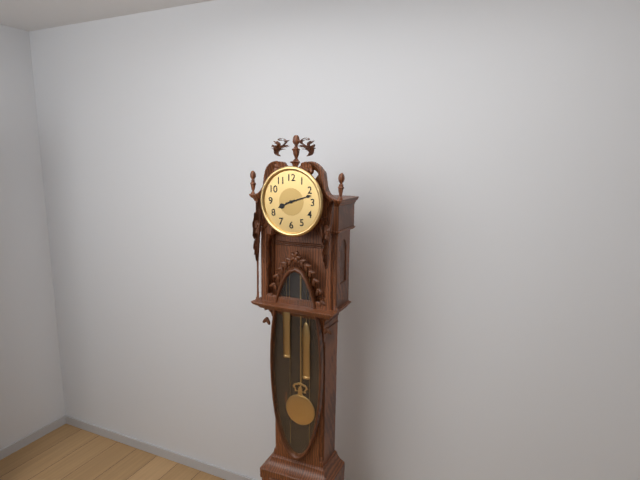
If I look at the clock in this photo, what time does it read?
8:12
